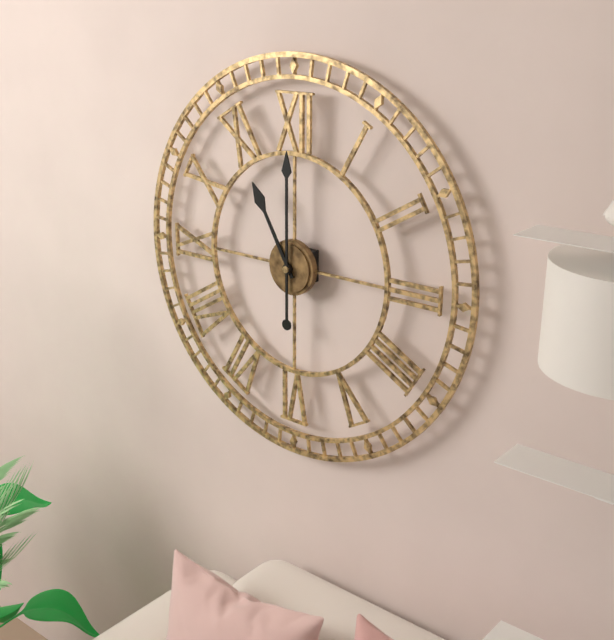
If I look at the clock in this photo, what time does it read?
11:00
